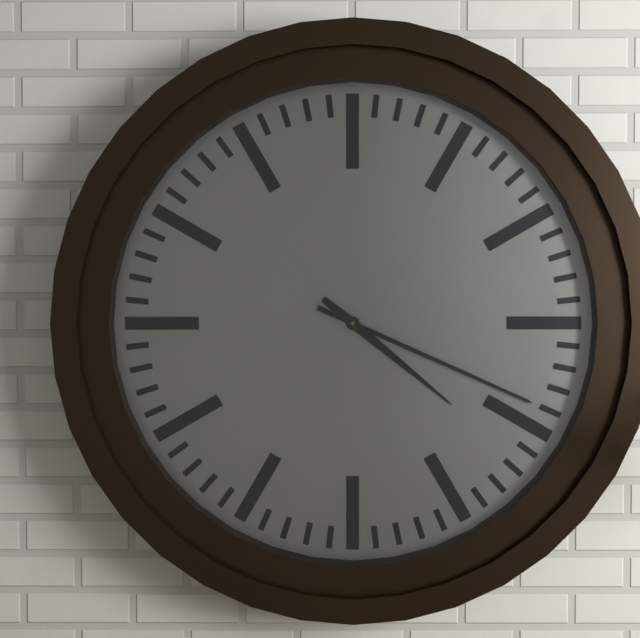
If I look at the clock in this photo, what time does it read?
4:19
